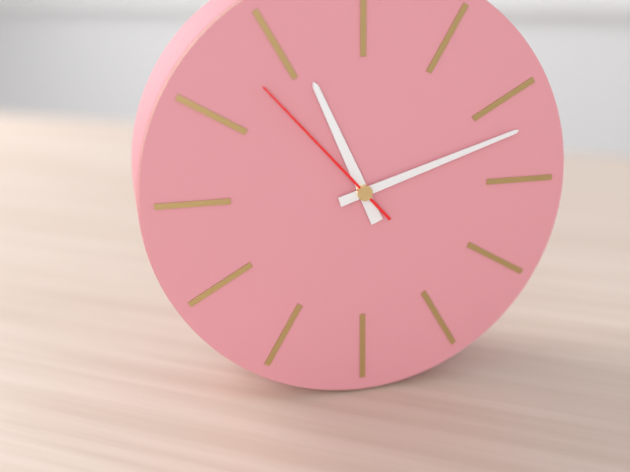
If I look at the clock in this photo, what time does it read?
11:12:53
